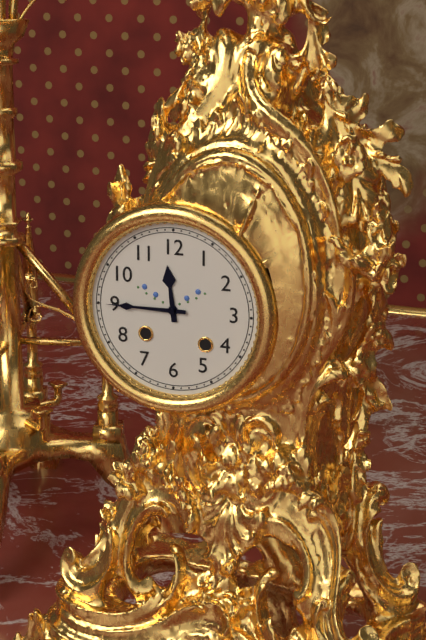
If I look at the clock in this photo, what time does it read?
11:45
